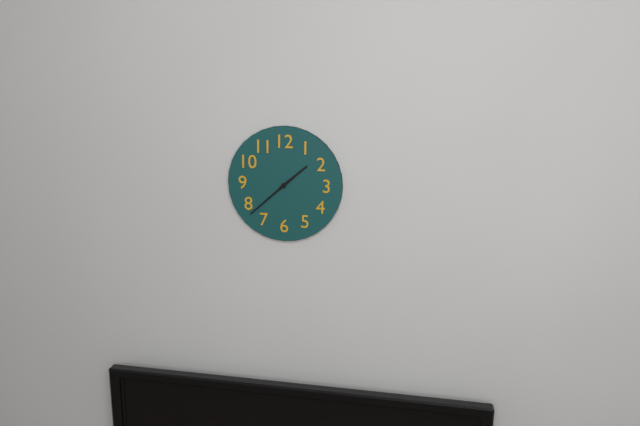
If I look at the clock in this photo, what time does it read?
1:38
